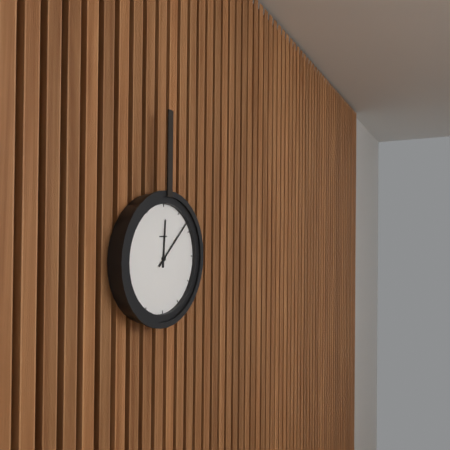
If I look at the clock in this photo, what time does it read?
12:08
